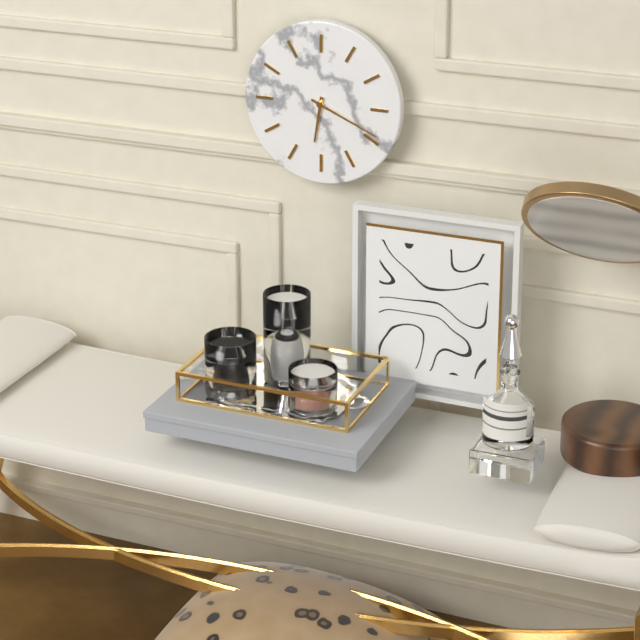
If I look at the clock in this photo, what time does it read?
6:19
